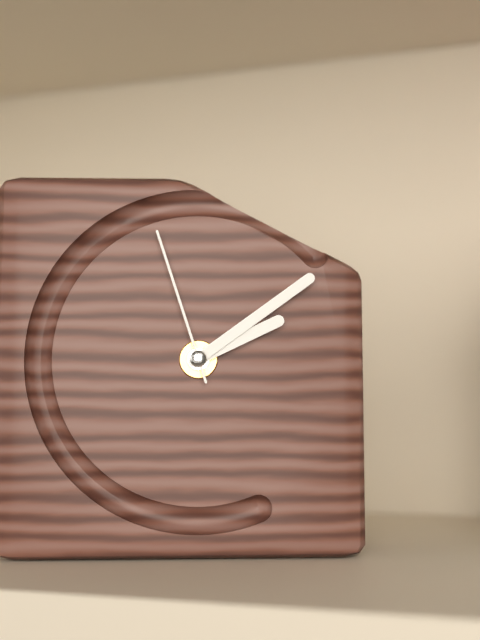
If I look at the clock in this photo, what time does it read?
2:09:57
